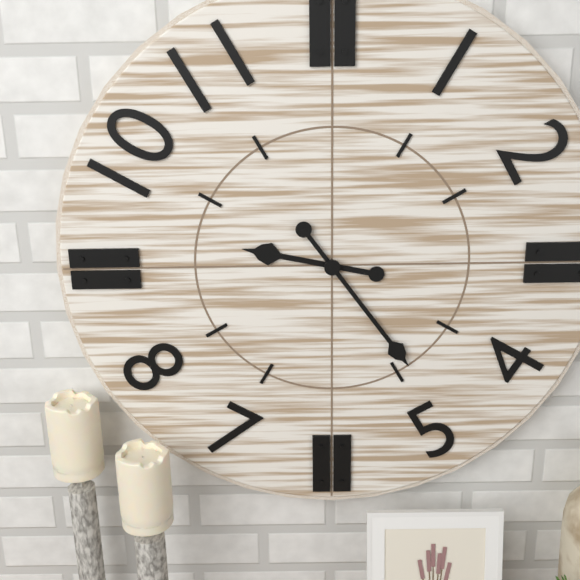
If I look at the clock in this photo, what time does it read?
9:24
